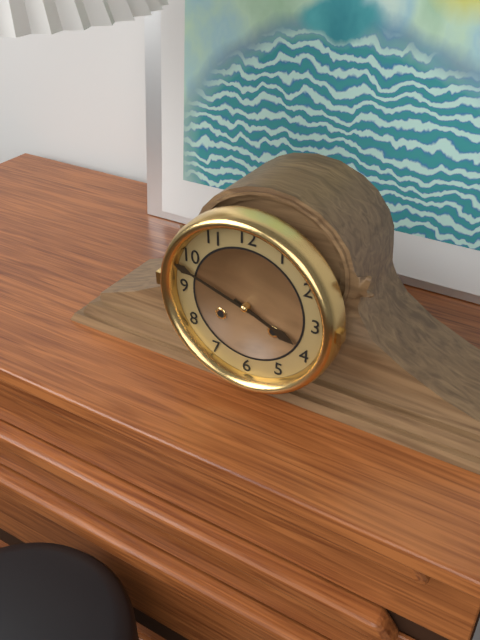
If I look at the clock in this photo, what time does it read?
3:48
